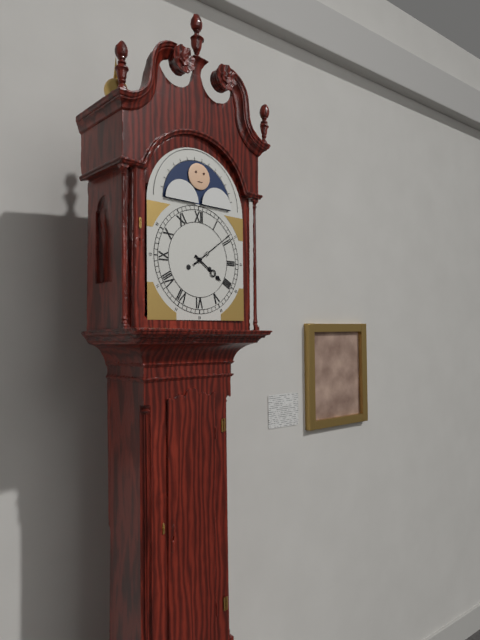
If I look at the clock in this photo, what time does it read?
4:09
